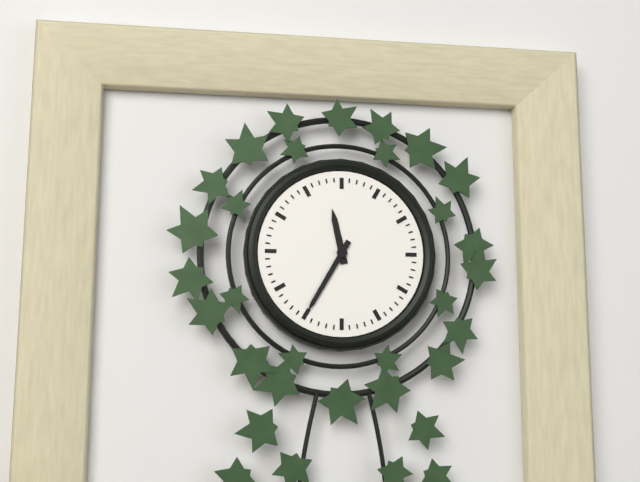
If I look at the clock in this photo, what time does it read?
11:35
